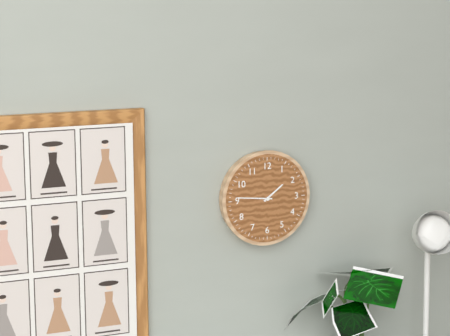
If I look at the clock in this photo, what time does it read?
1:46
